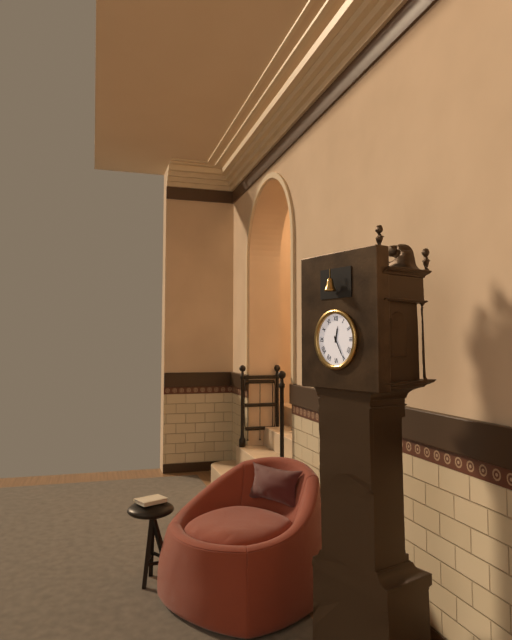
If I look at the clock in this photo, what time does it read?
12:25
